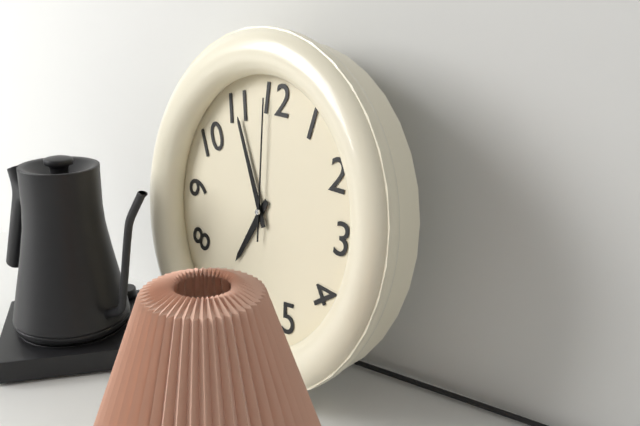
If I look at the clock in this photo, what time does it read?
6:55:59
